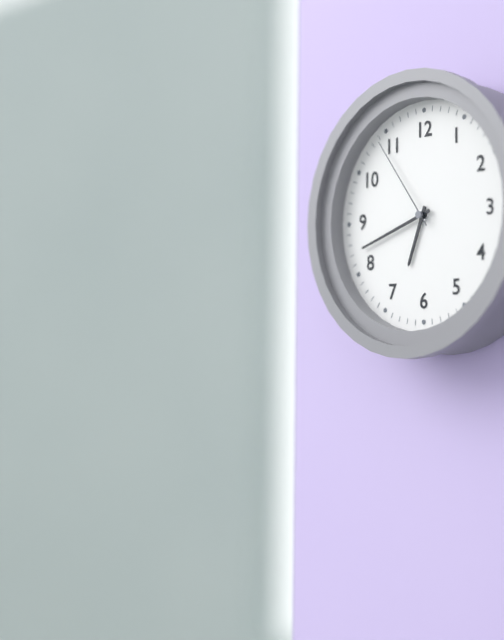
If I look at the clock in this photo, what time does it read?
6:42:54
